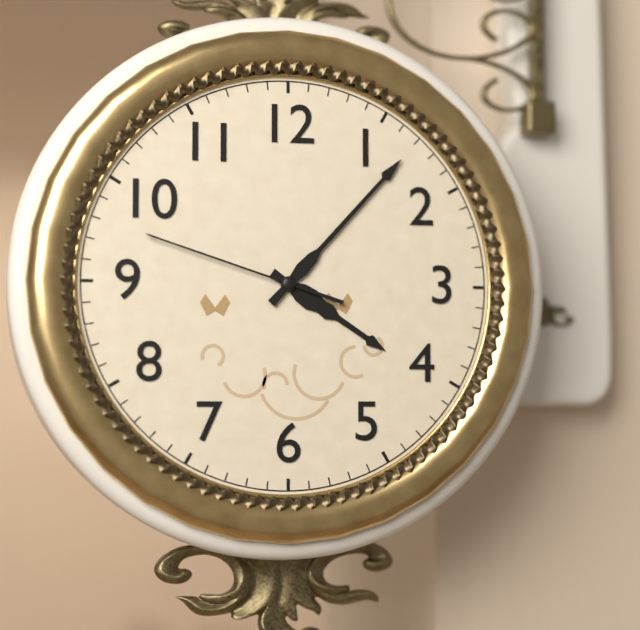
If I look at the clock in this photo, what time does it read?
4:07:48
